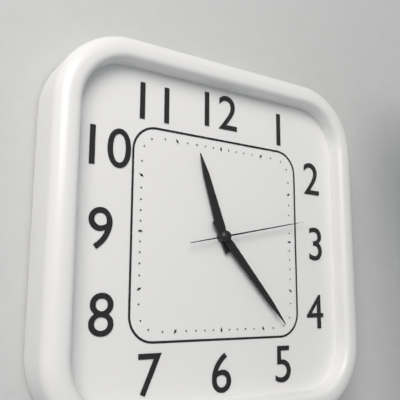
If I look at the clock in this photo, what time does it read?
11:23:13
